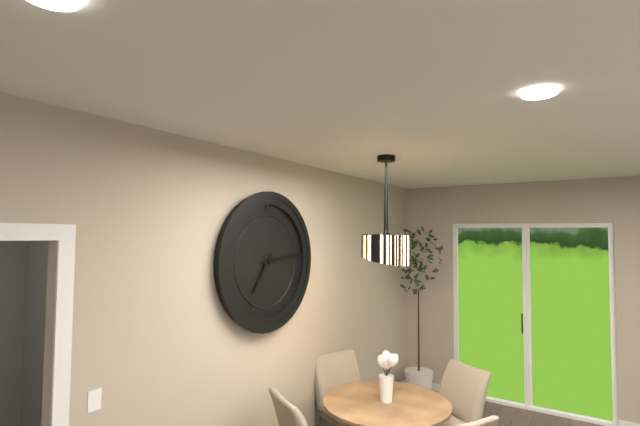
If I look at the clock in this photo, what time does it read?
7:14
